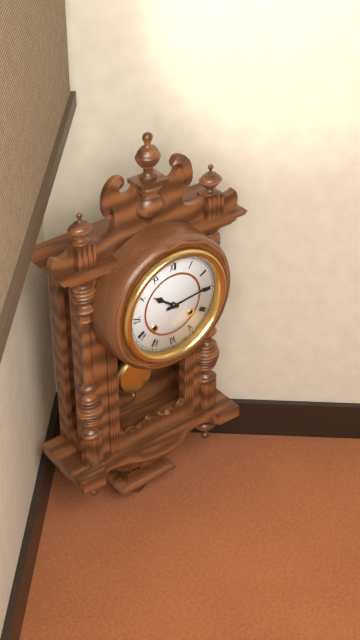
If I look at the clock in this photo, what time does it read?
10:14
